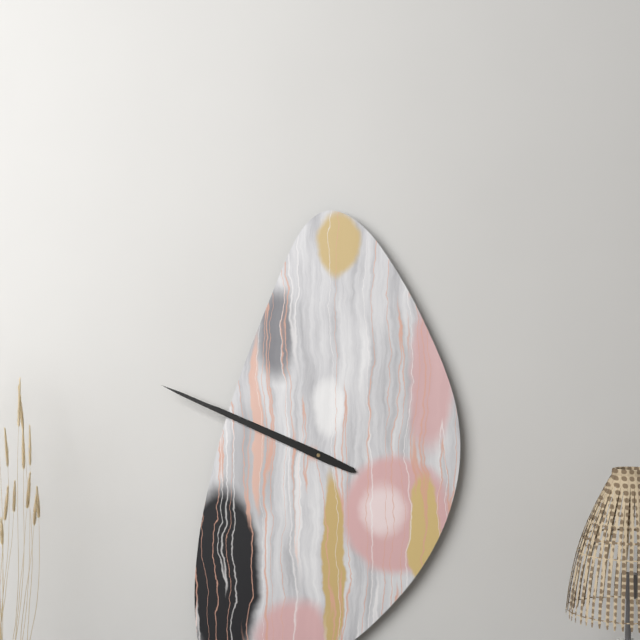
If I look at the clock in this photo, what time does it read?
9:49
